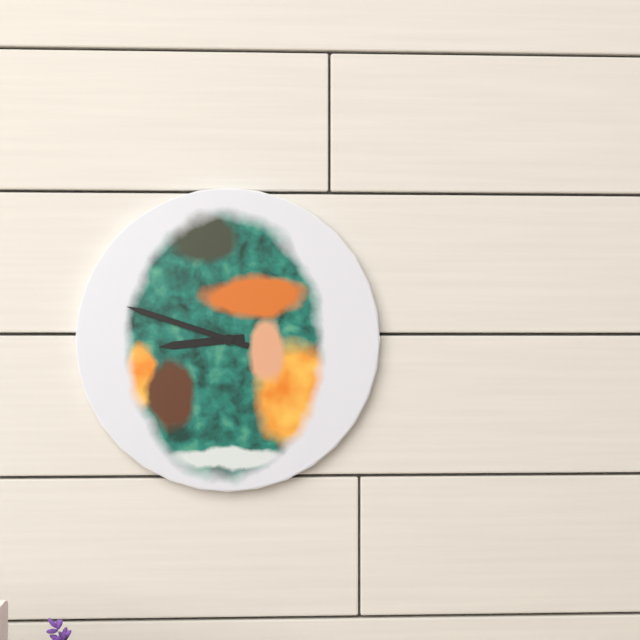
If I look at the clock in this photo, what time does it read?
8:48
